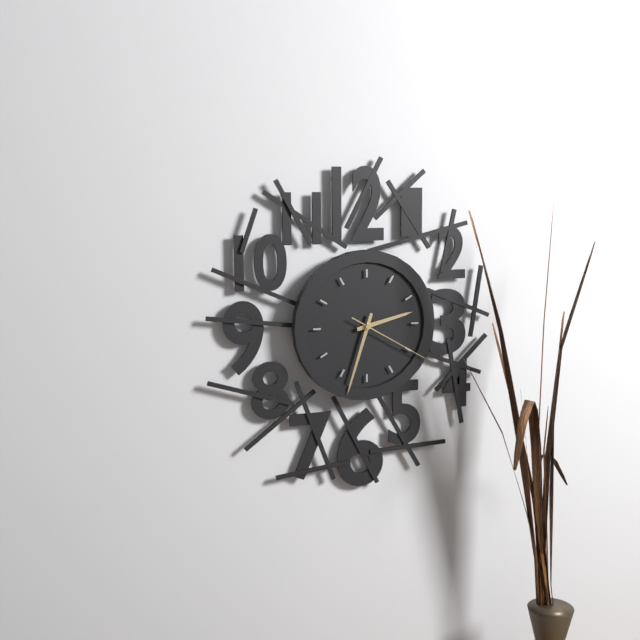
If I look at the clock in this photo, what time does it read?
2:33:20
